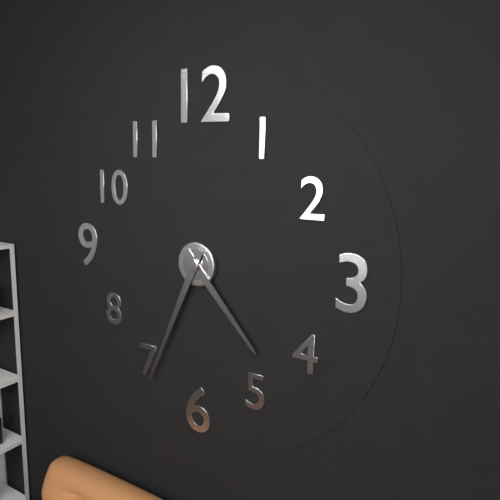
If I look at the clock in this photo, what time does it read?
4:34
